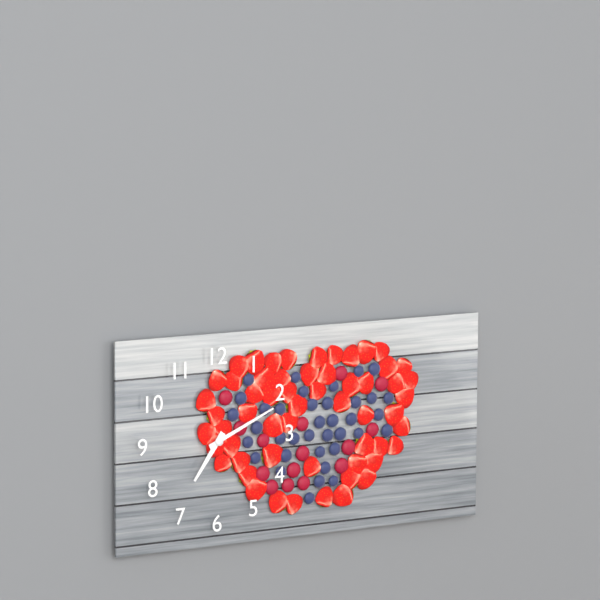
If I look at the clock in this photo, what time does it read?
7:11
